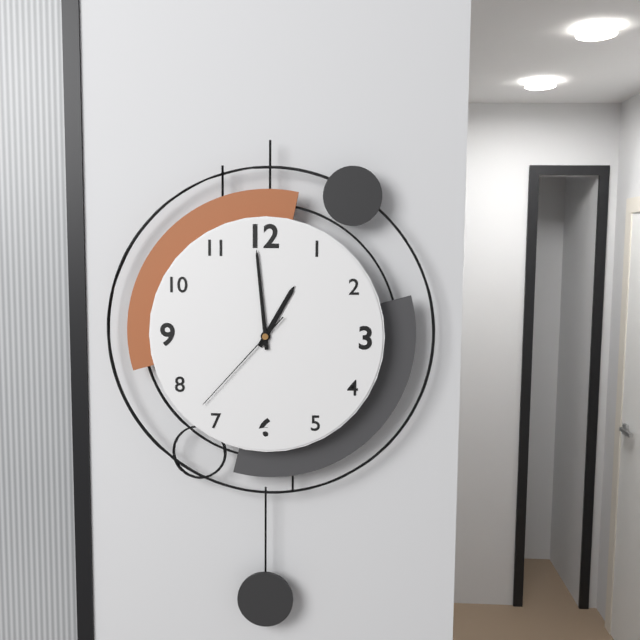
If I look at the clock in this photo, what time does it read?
12:59:37
